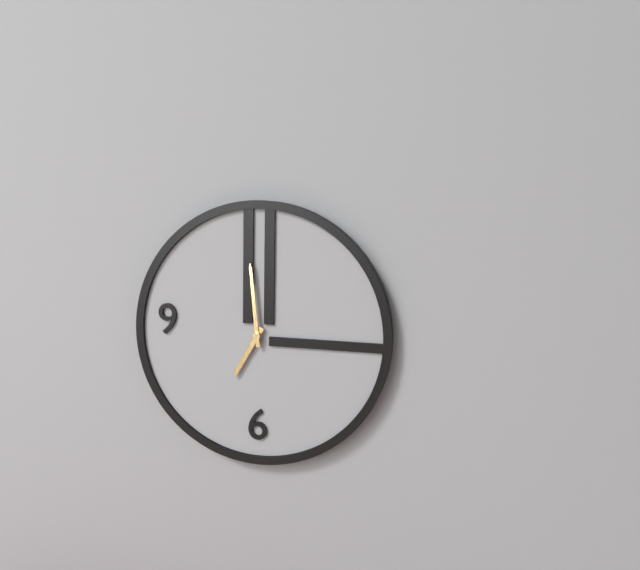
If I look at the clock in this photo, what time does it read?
6:59
